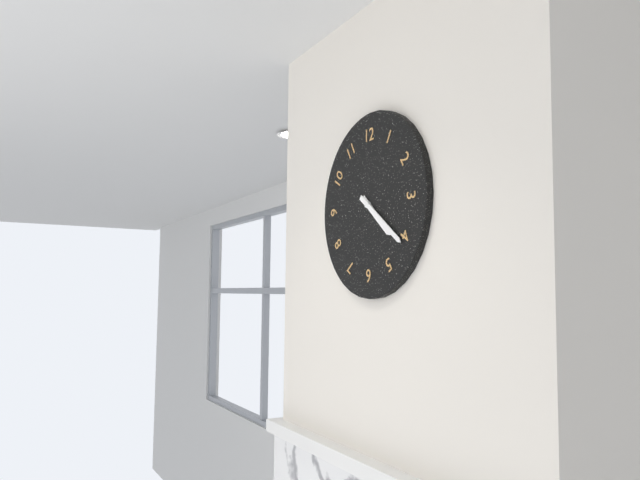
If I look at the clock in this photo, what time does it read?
4:21
